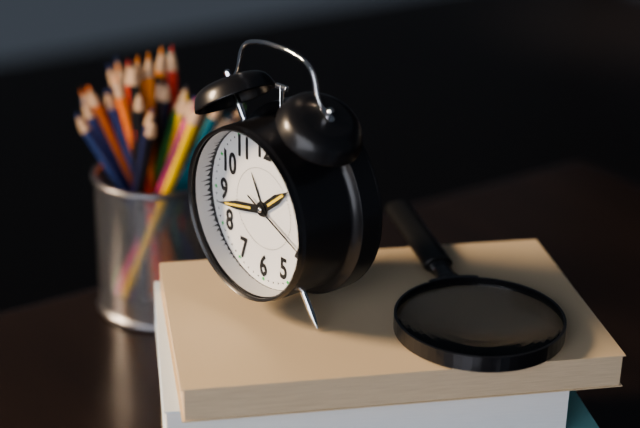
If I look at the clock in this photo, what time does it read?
1:43:19
